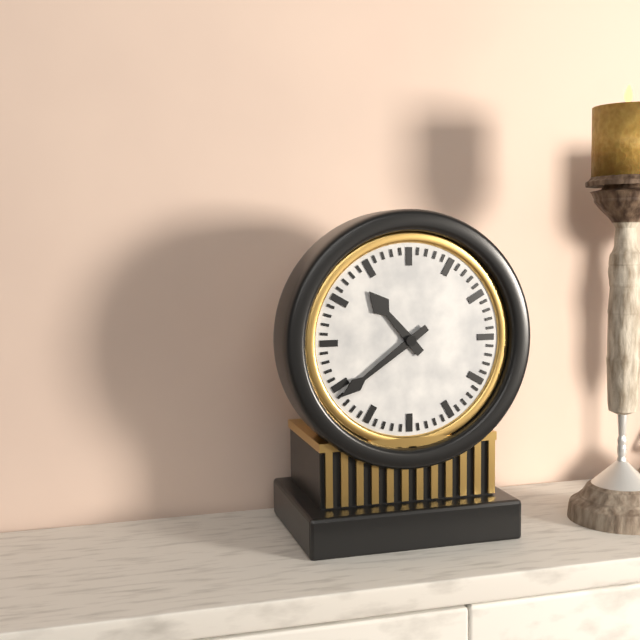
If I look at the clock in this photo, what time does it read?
10:39
